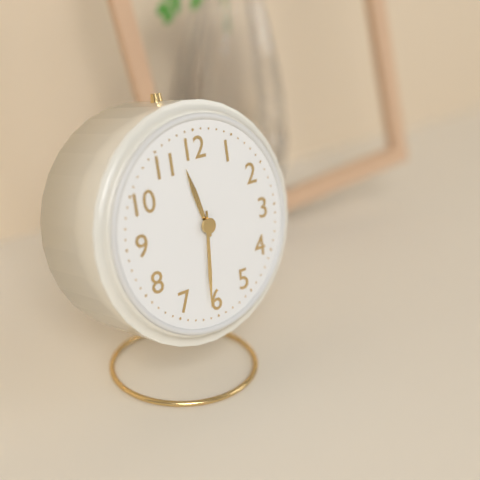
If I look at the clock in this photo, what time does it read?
11:31
